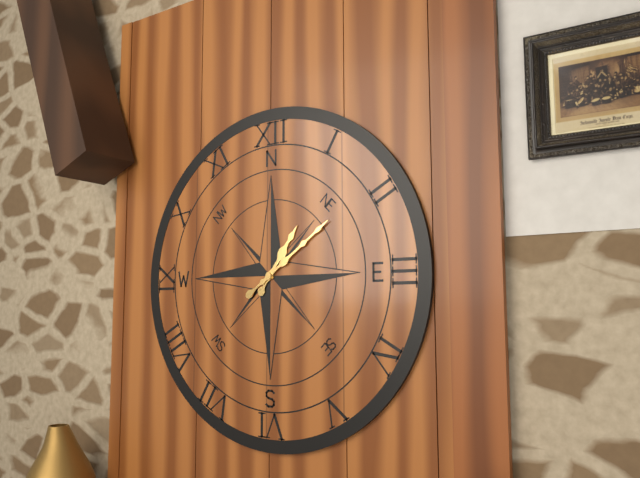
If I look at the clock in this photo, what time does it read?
1:09
